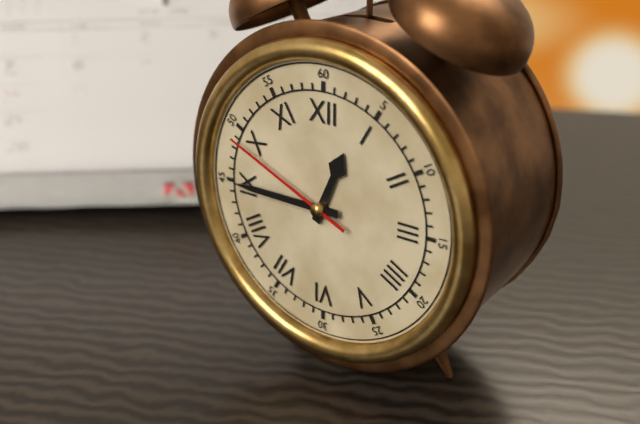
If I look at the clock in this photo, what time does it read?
12:45:49
